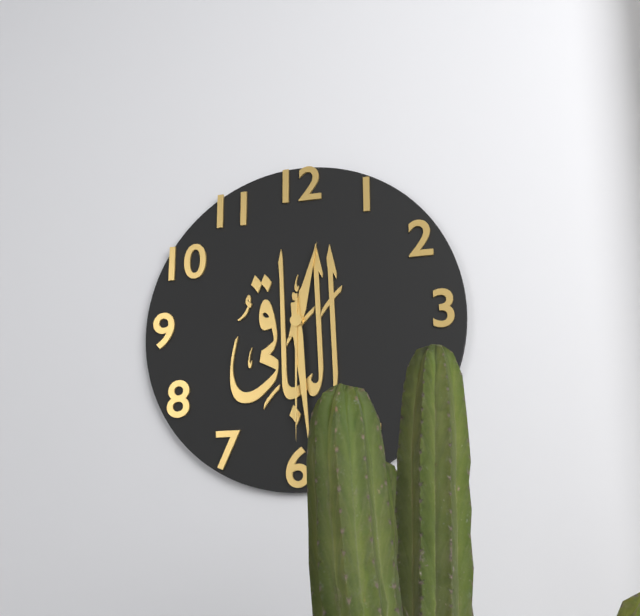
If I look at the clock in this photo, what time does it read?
12:29:30
